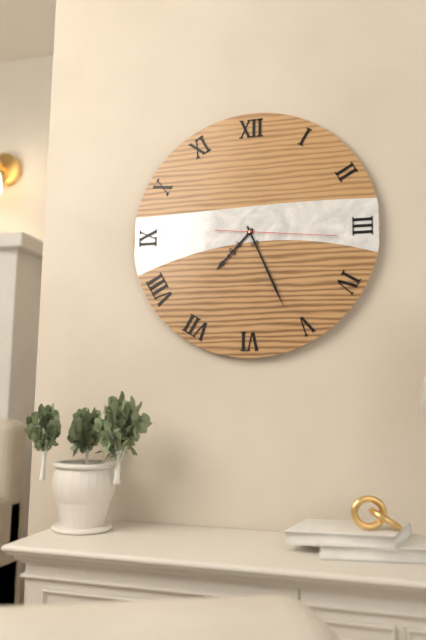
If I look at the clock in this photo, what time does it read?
7:26:16
